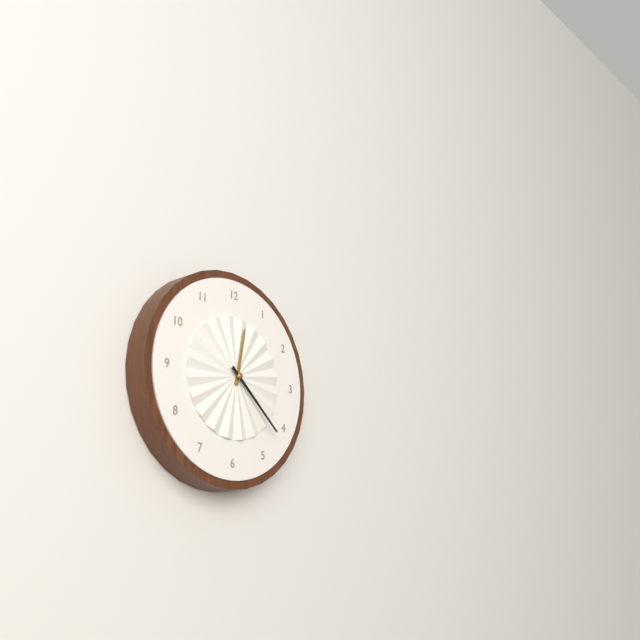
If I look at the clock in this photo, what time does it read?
12:22
